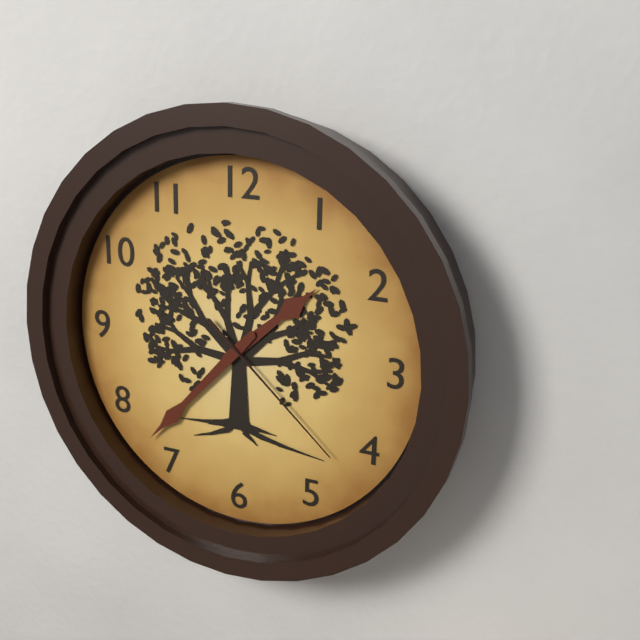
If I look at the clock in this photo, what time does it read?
1:37:22
